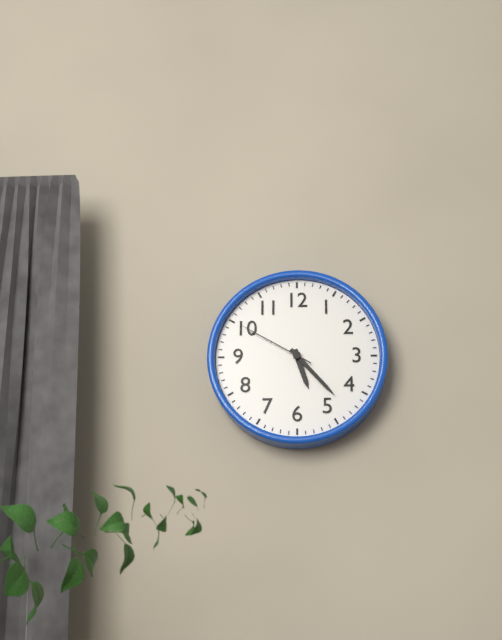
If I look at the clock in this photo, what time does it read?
5:23:50
